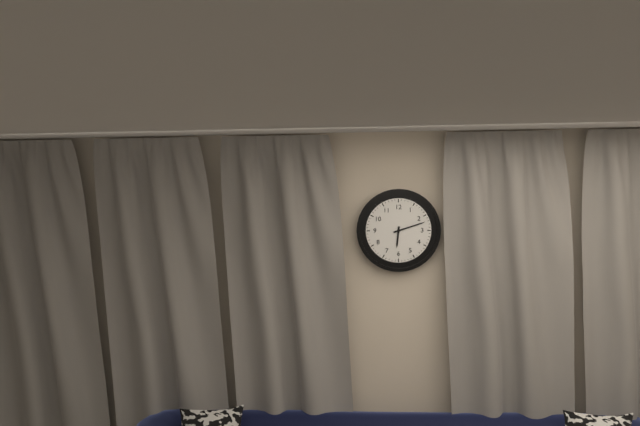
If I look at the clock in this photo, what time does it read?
6:12
